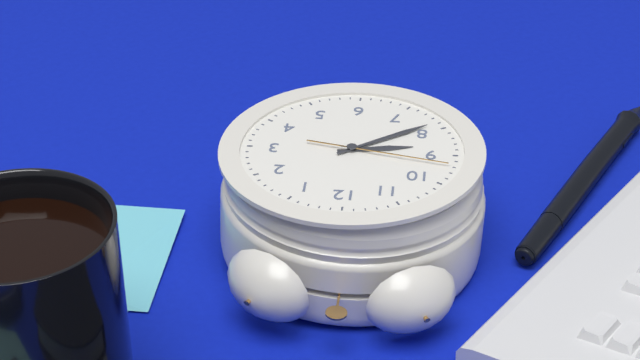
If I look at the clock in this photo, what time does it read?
8:39:47
